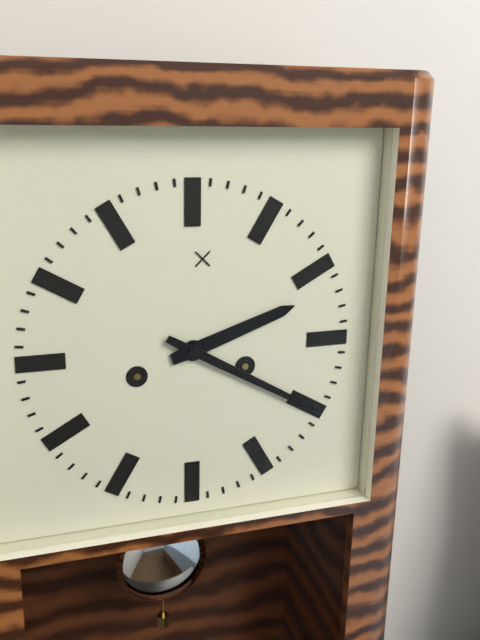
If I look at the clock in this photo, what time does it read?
2:20
